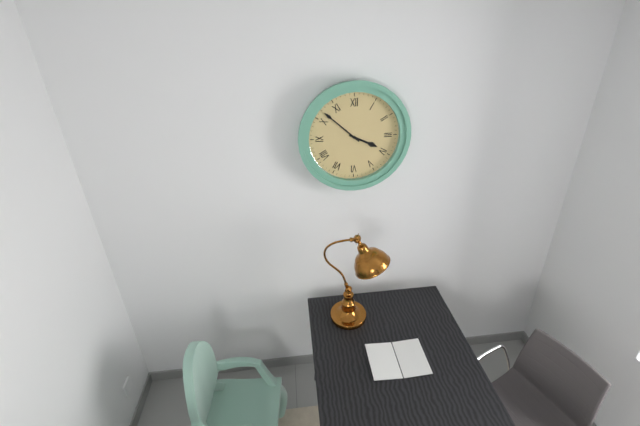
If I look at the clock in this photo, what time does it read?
3:52
